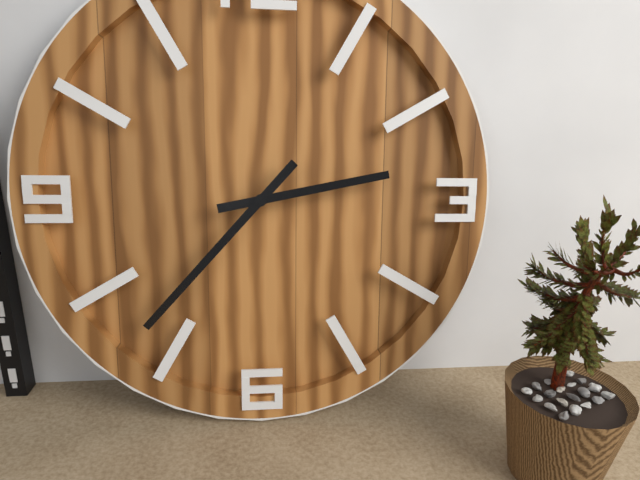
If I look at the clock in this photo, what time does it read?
2:37
